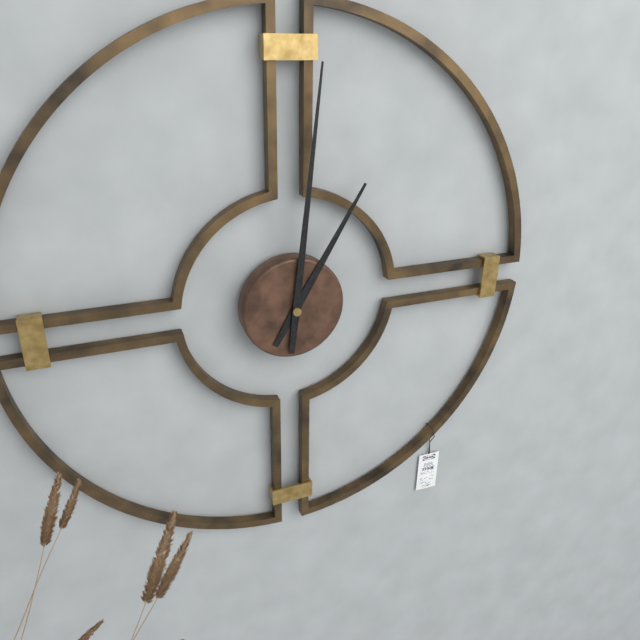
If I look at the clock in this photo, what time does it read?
1:01
